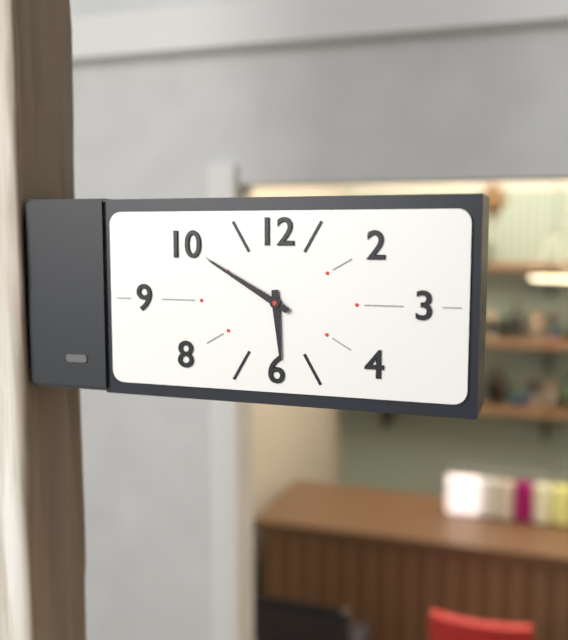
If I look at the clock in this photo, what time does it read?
5:50
